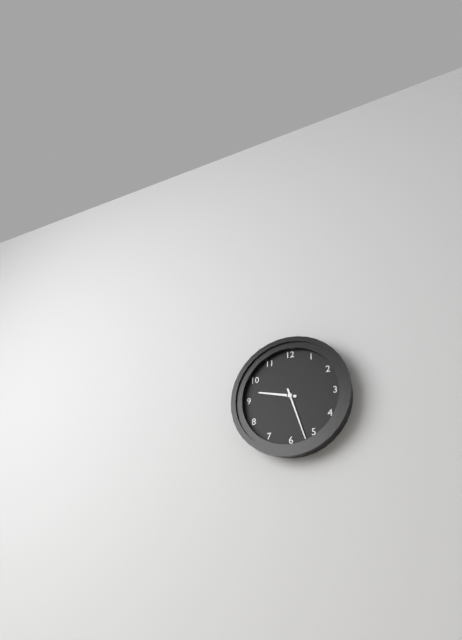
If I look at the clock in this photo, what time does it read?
9:27
